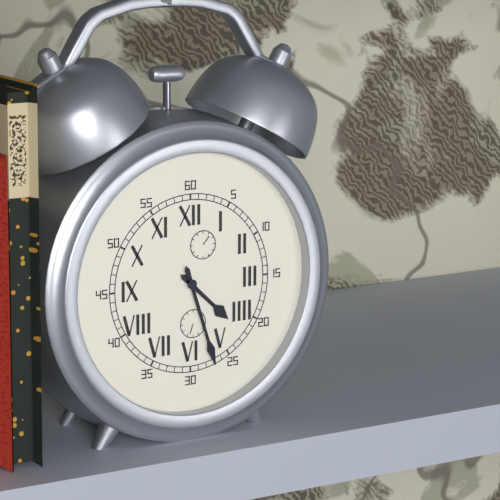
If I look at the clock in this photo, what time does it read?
4:27
